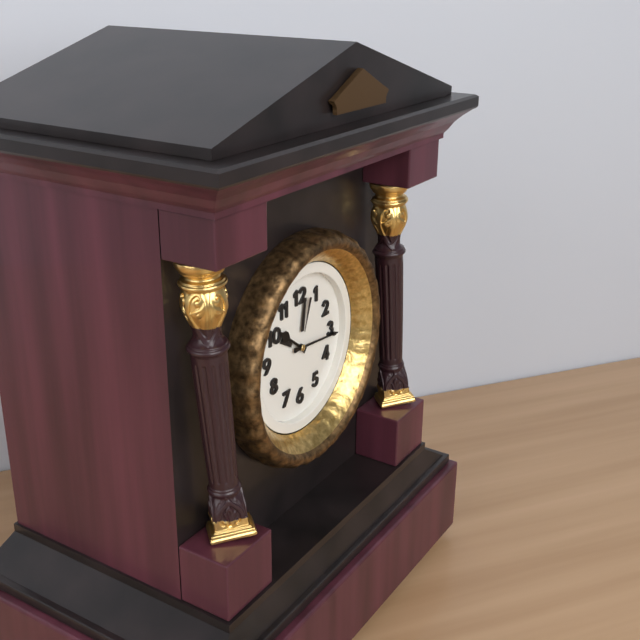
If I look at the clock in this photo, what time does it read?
10:16
